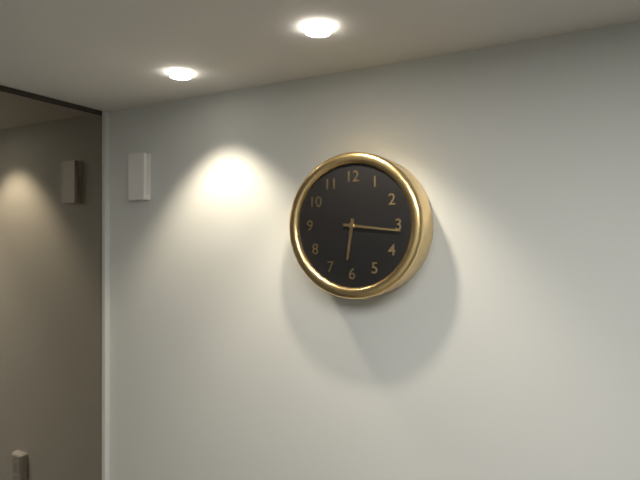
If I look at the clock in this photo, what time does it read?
6:16
